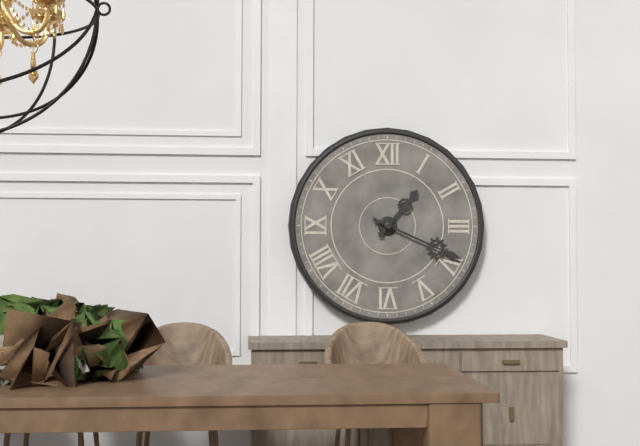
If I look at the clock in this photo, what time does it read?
1:19
